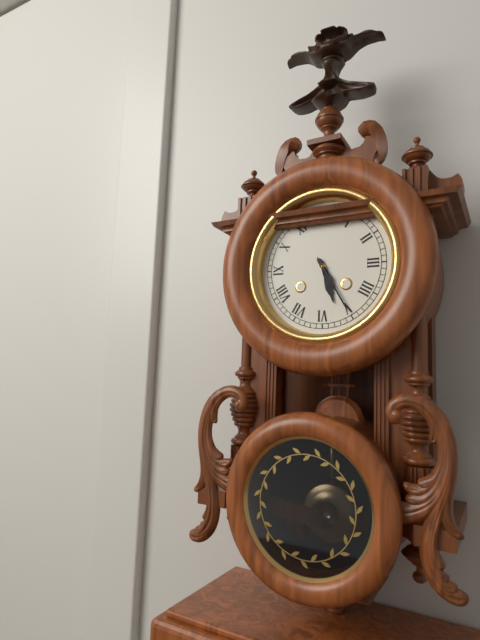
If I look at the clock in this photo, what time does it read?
5:25
